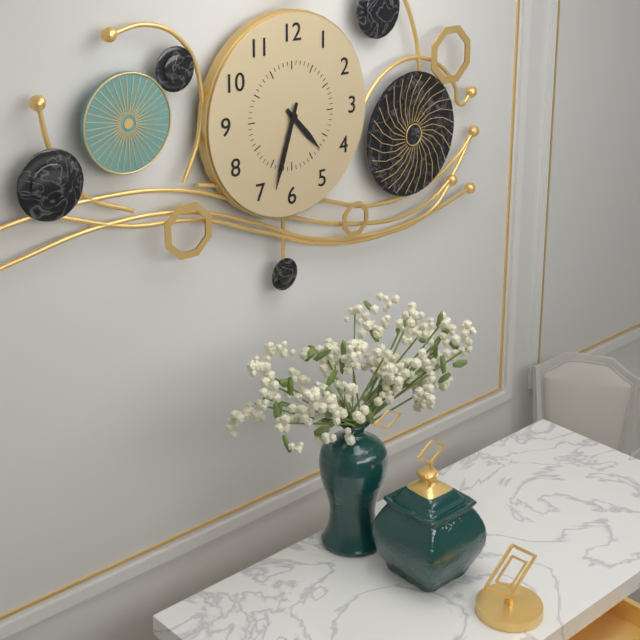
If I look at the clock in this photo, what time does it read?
4:33
